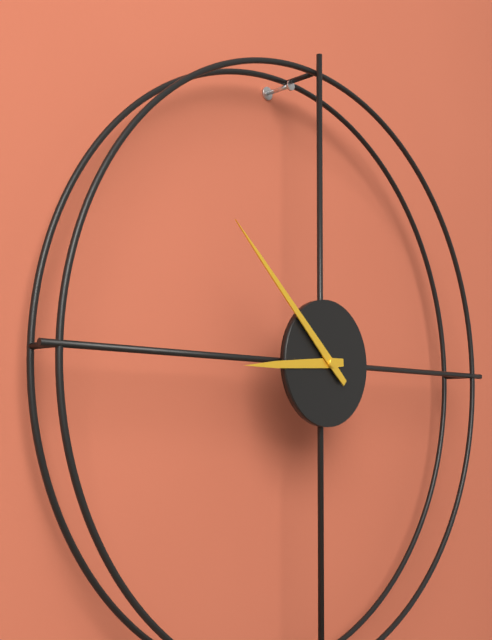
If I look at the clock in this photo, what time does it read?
8:52
